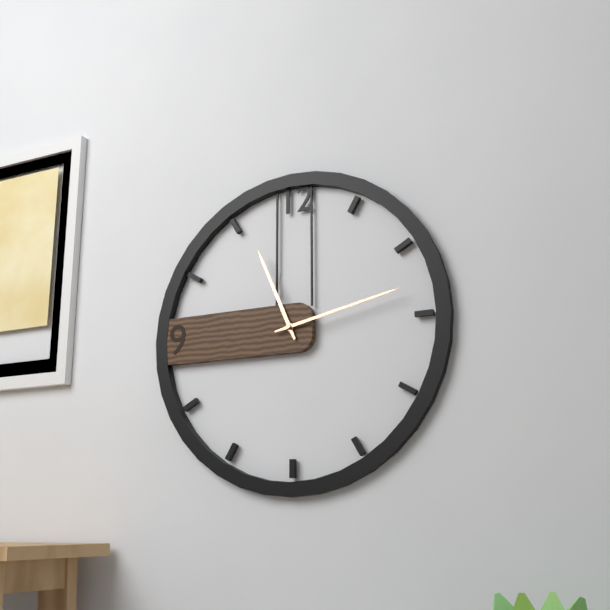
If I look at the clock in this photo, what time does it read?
11:13
